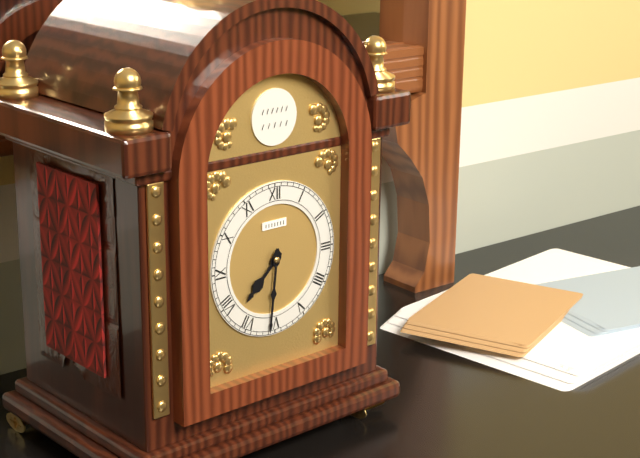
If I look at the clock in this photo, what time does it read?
7:31
